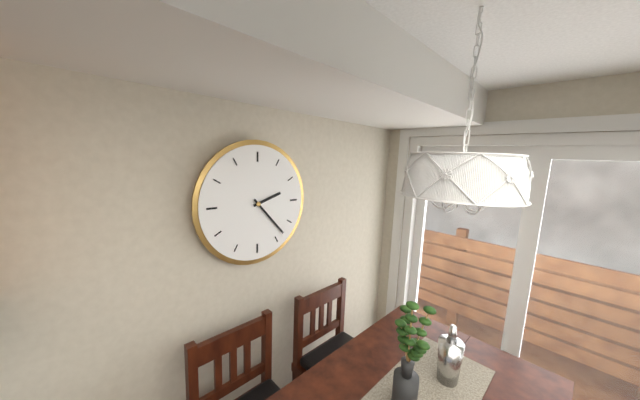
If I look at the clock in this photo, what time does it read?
2:23
